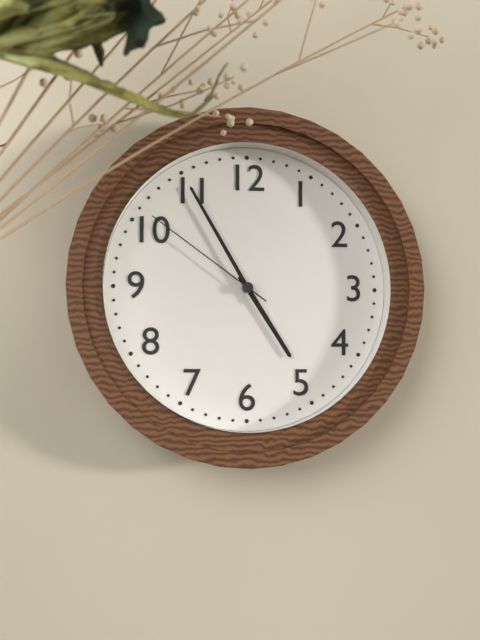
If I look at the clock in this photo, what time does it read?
4:55:51
